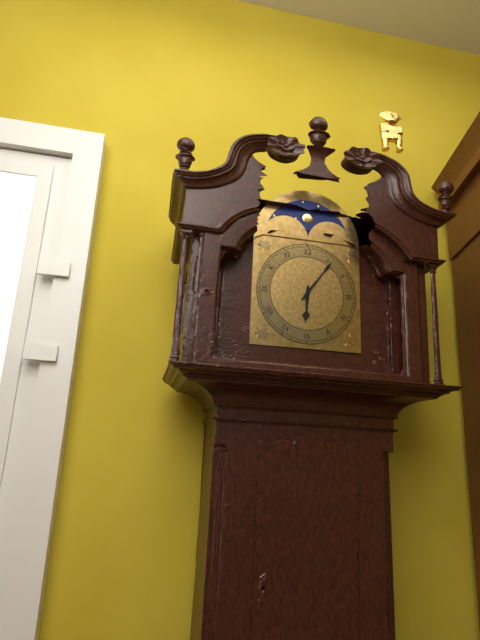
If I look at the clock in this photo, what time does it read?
6:06
